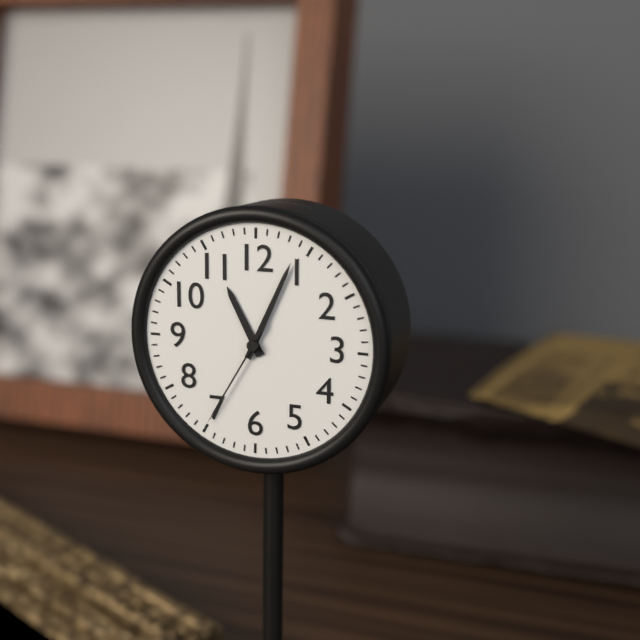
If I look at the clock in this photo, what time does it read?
11:04:35
